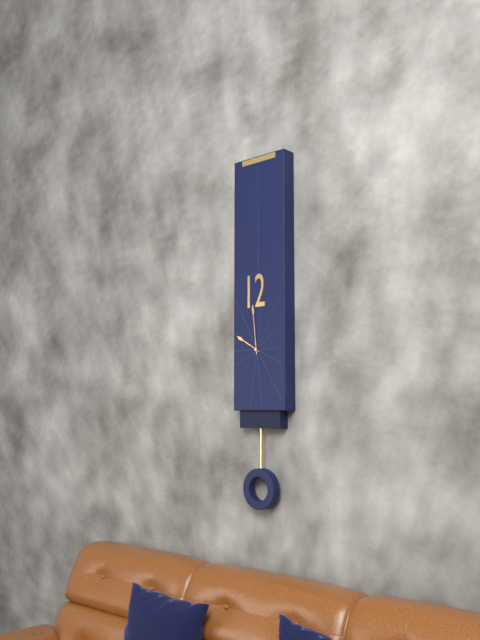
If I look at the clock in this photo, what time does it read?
9:59
